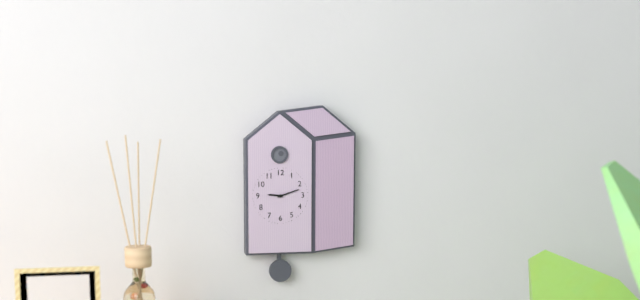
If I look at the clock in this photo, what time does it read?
9:12
